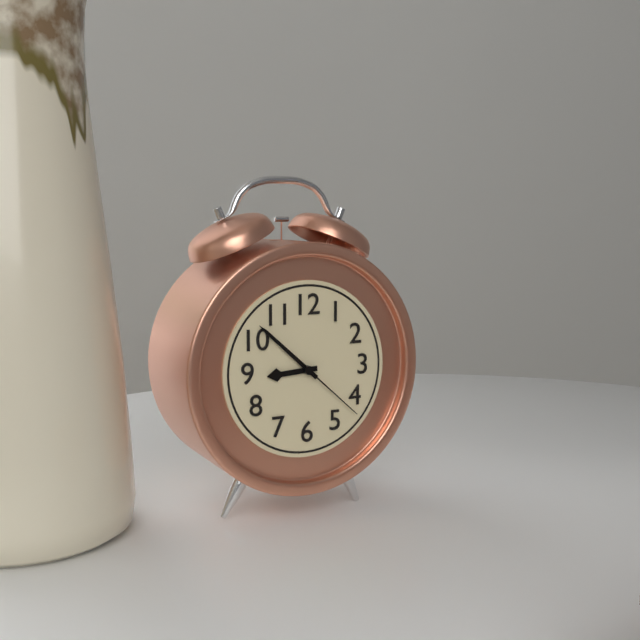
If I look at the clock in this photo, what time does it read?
8:52:22
